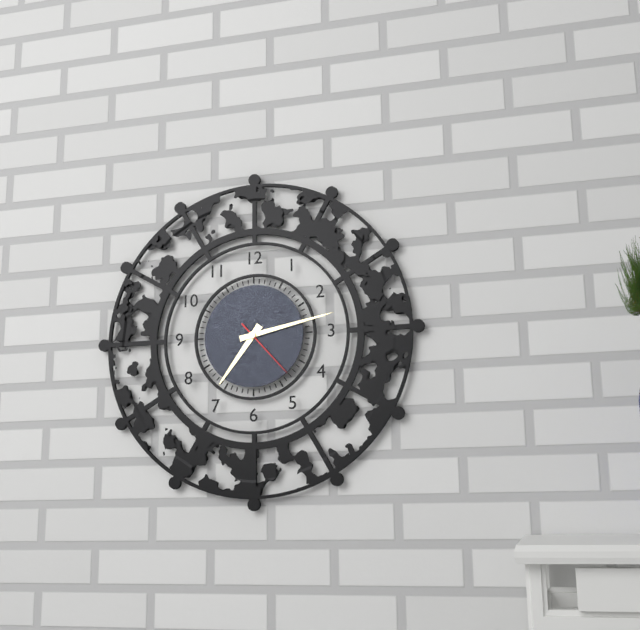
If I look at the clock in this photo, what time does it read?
7:13:23
